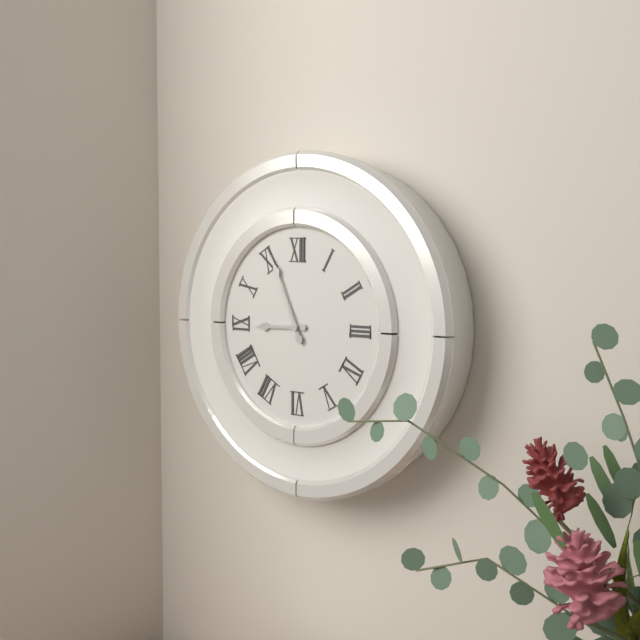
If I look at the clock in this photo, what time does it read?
8:56
